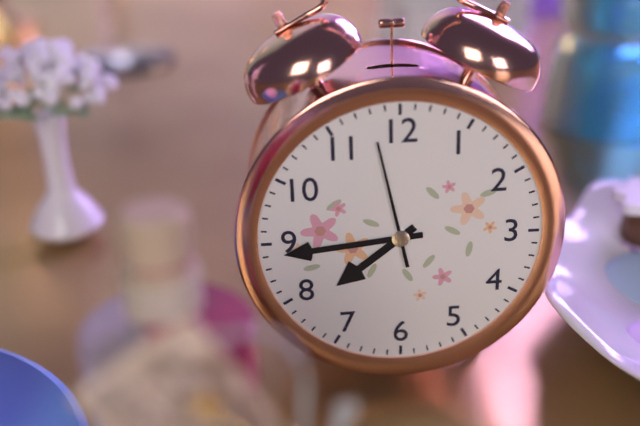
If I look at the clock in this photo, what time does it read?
7:44:58
